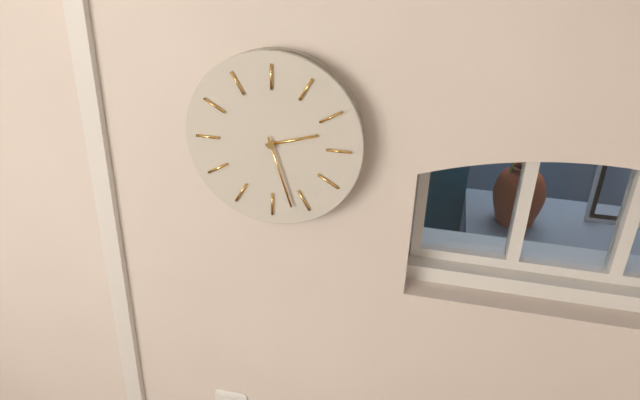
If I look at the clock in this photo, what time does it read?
2:27
